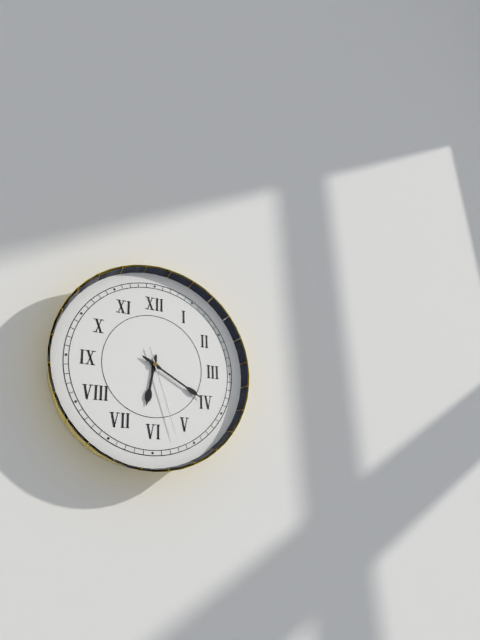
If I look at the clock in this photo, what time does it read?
6:20:27
